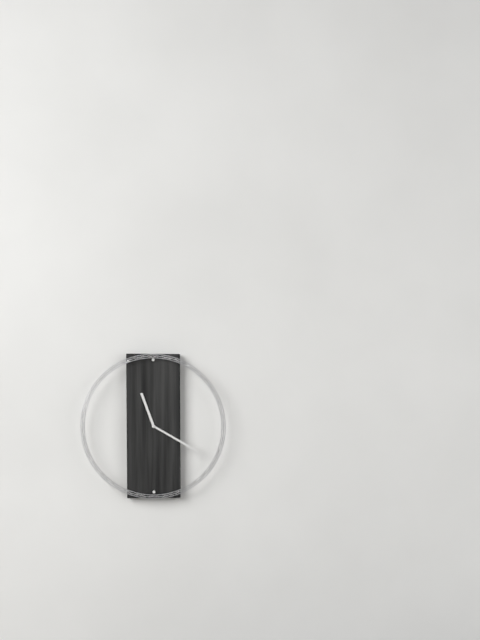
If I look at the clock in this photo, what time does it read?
11:20
